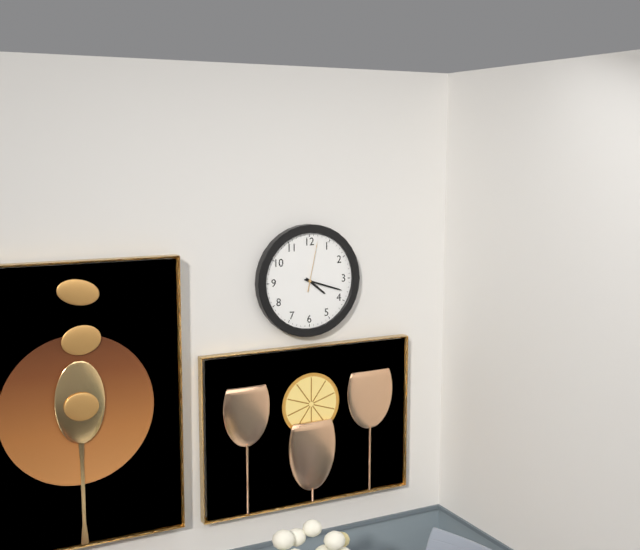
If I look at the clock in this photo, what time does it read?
4:18:02
